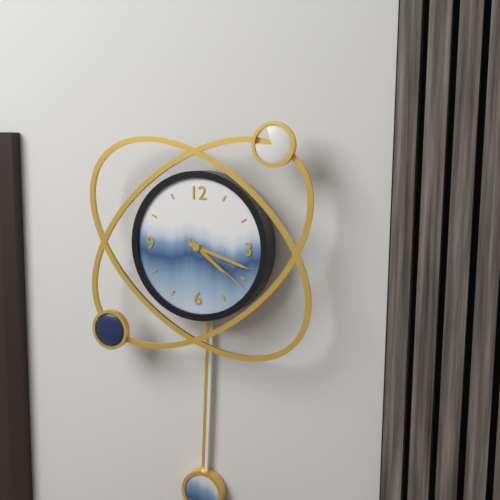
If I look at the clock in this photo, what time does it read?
4:18:21
